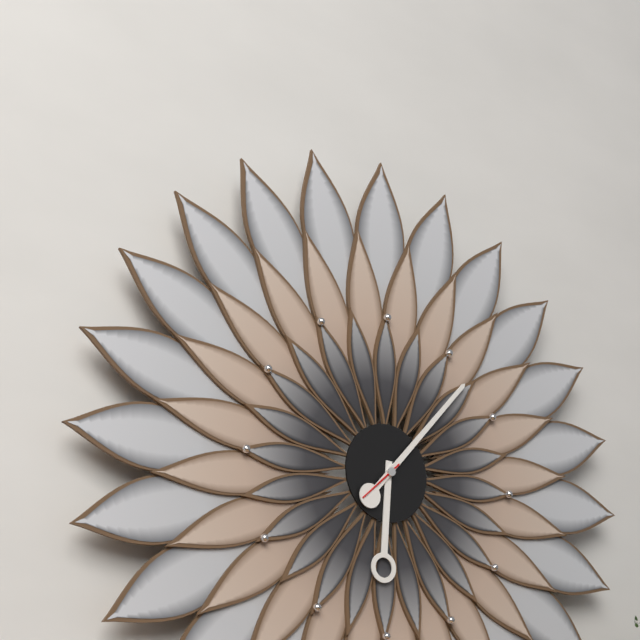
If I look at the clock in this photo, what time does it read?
6:07
